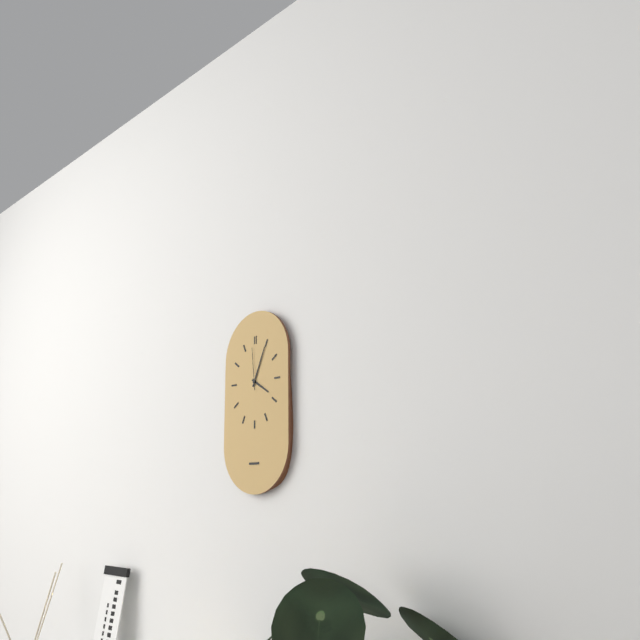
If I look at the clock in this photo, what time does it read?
4:04
